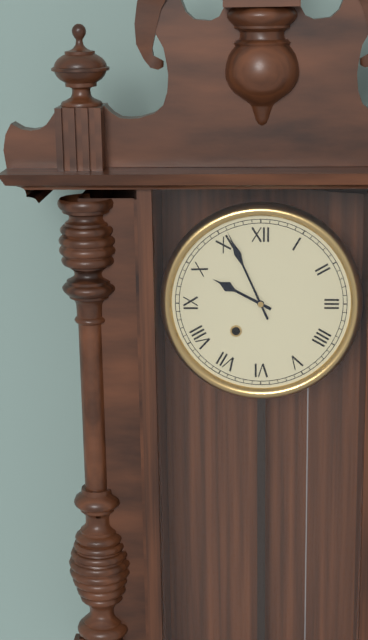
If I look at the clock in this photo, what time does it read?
9:56
